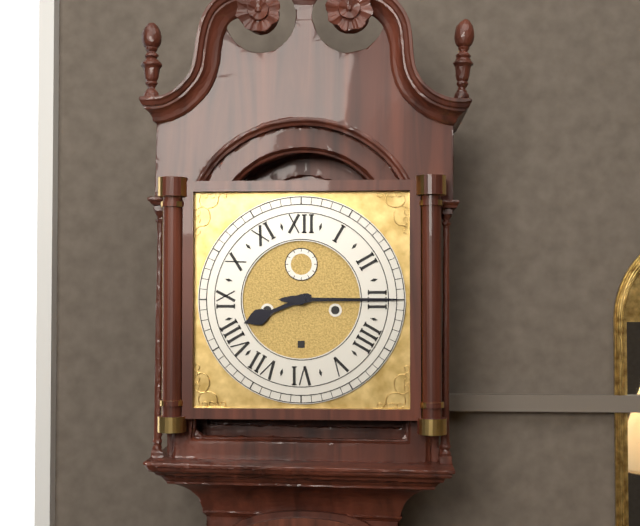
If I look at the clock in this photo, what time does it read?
8:15
